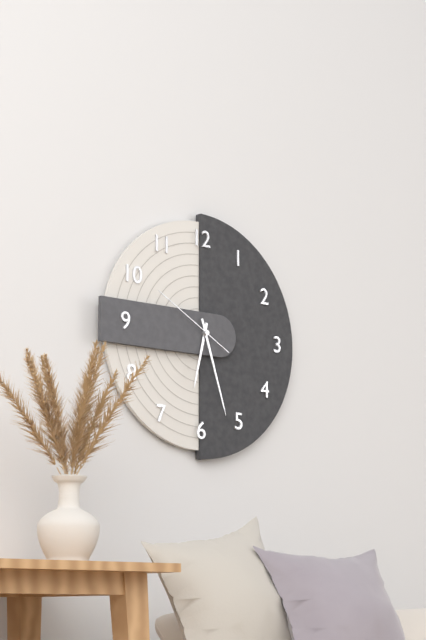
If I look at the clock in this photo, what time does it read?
6:27:50
